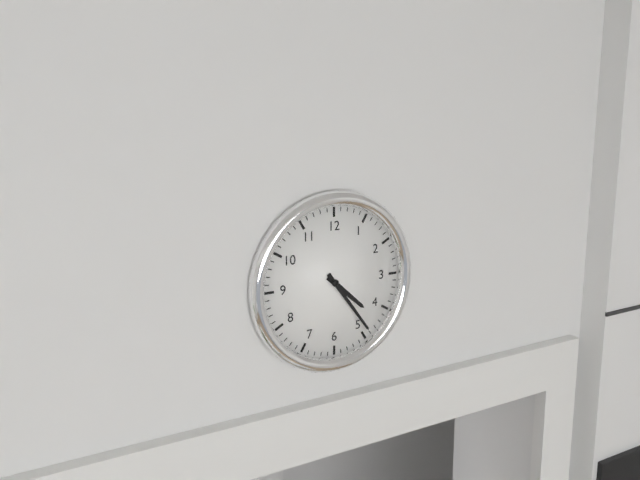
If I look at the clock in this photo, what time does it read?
4:24
